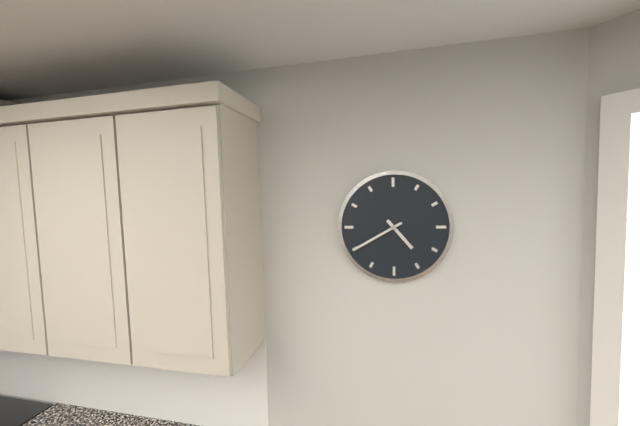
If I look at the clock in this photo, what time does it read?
4:40
